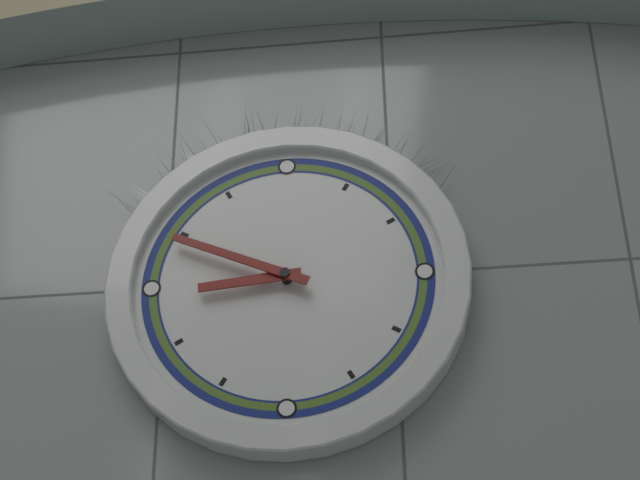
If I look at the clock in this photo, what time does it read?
8:49
